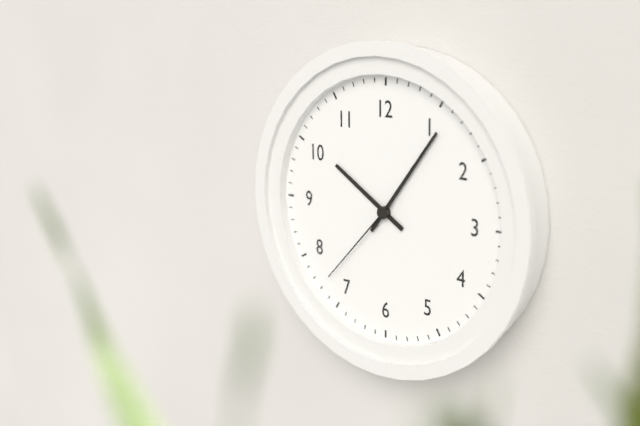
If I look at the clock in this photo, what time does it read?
10:06:37
